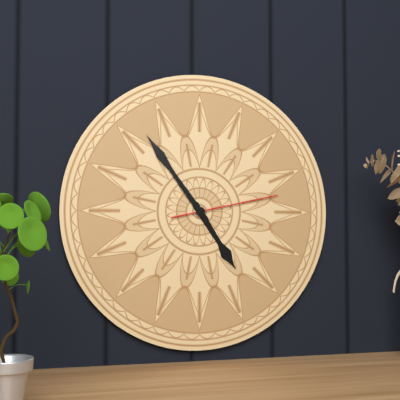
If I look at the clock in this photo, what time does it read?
4:54:13
